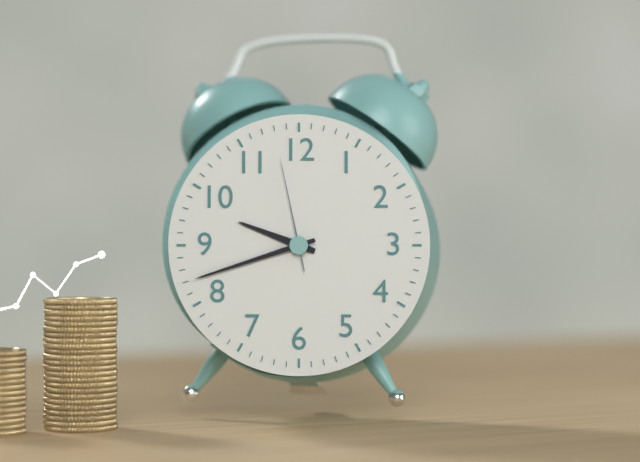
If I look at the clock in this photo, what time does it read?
9:42:58
